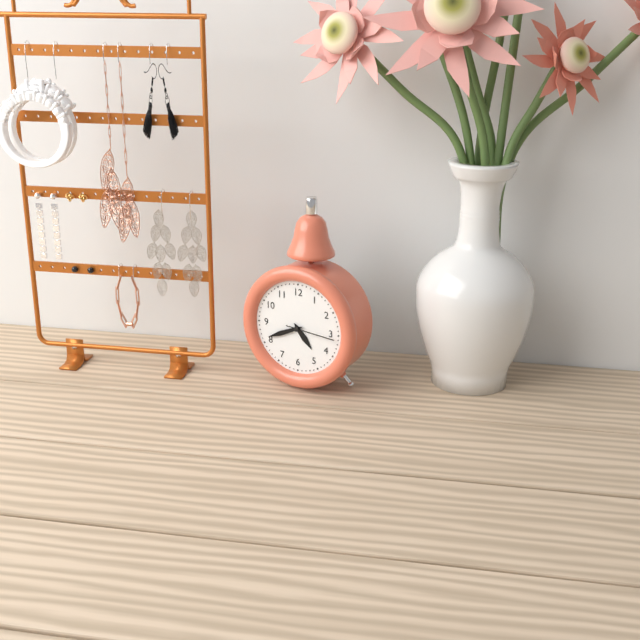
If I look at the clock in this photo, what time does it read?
4:41
